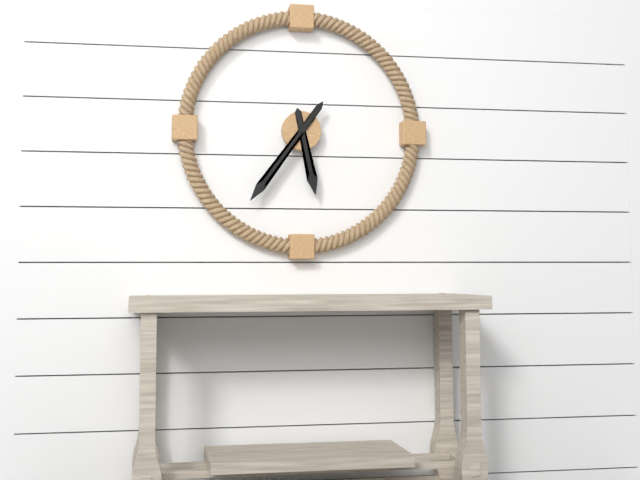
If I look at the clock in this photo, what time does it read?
5:36
